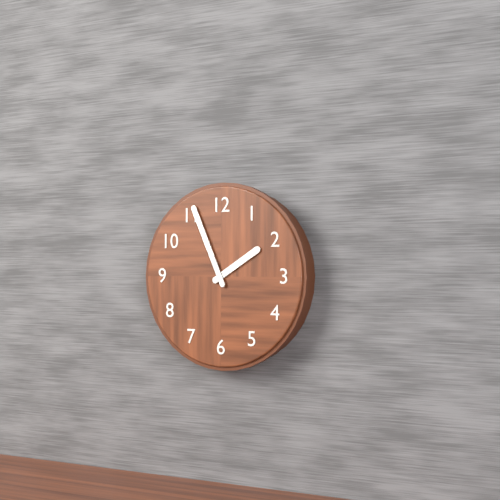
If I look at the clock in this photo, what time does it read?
1:56
